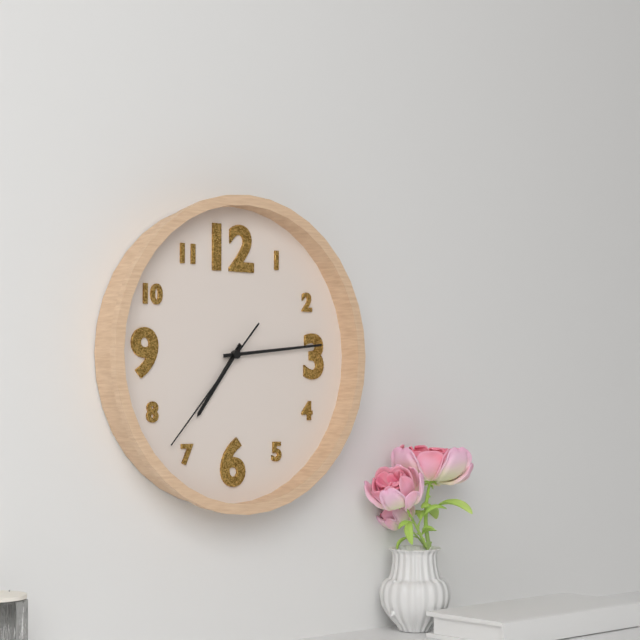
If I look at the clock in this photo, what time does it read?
7:14:37
